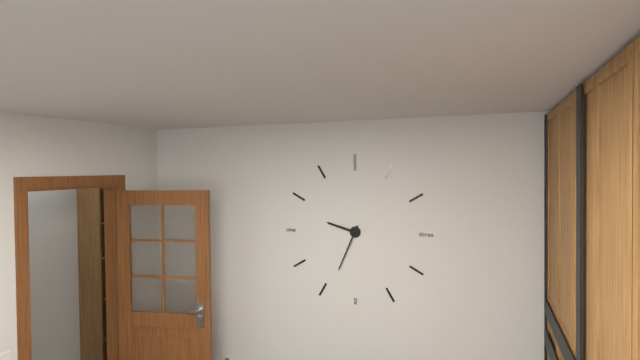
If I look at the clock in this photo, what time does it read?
9:34
